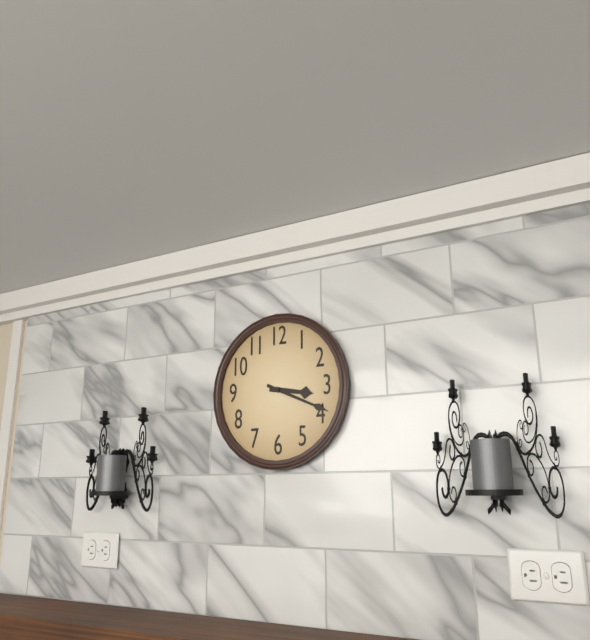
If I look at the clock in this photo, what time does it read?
3:19
